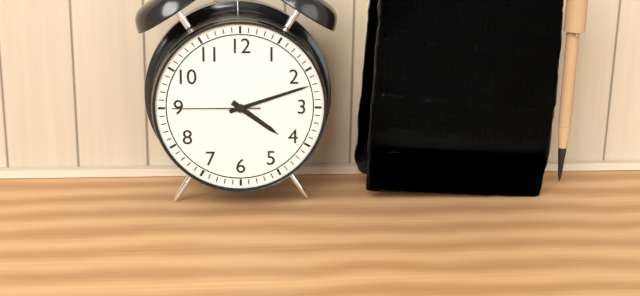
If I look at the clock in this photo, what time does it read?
4:12:45
